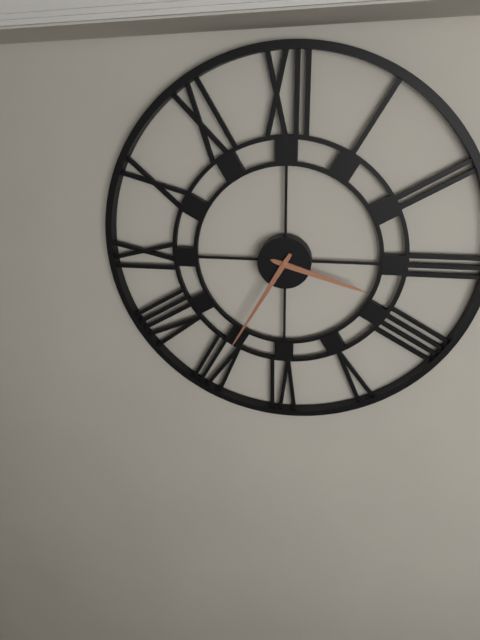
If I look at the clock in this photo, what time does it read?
3:35
